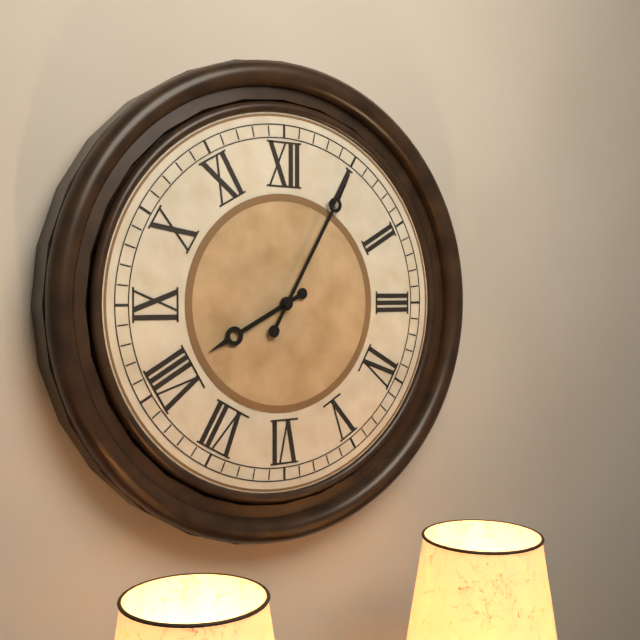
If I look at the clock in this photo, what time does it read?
8:05
